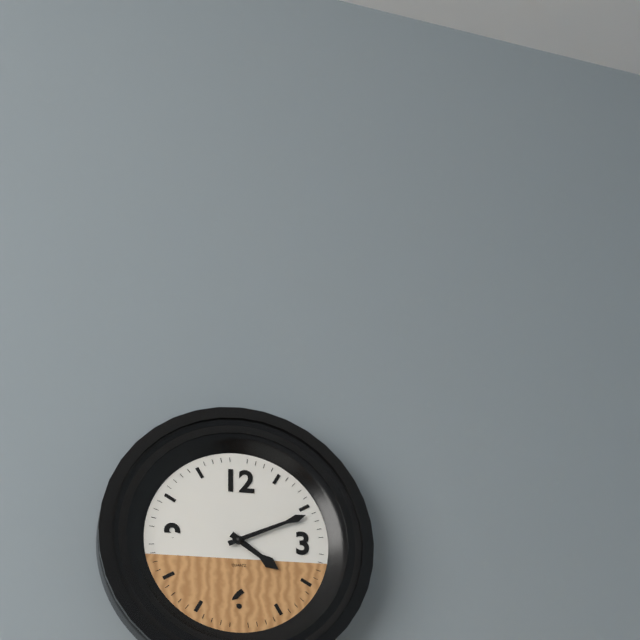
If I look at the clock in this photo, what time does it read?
4:11
